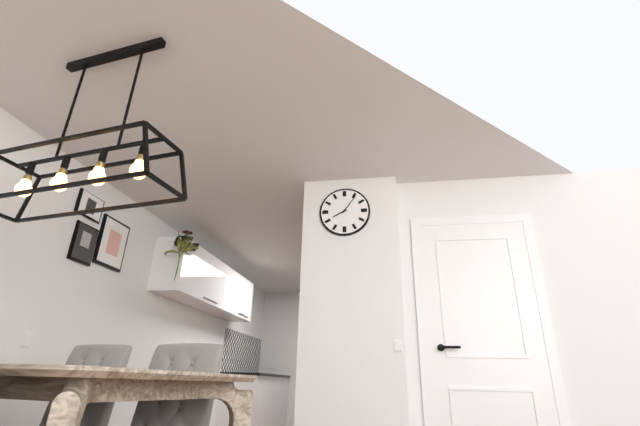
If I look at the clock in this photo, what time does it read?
8:06
